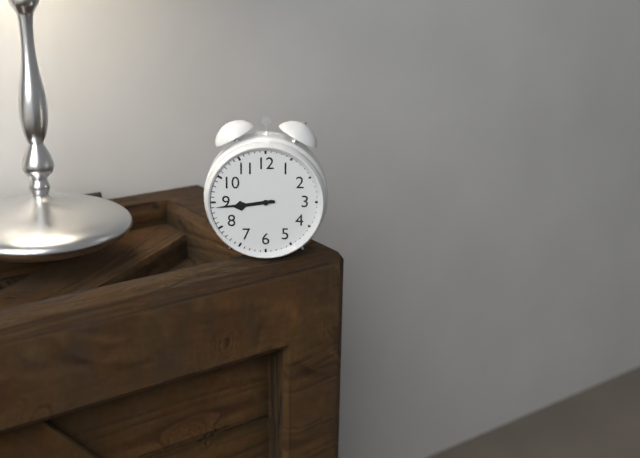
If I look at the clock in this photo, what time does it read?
8:44
